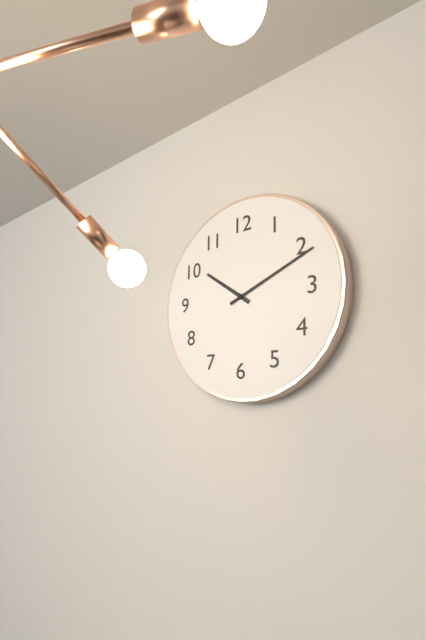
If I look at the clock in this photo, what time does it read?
10:11
